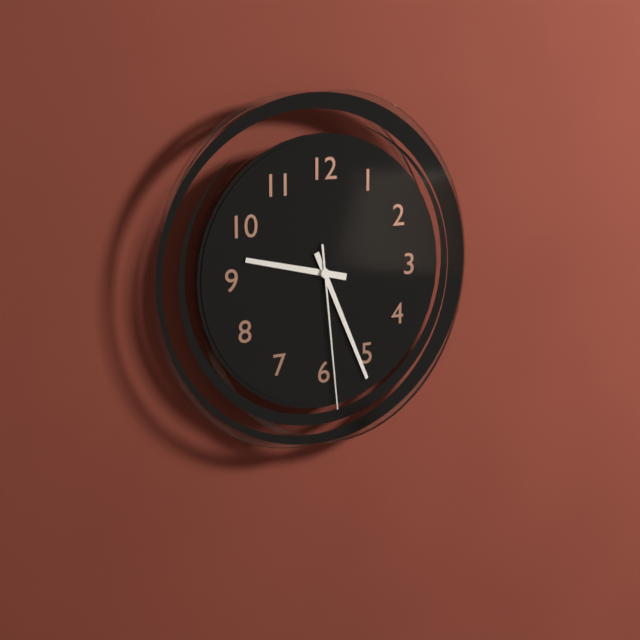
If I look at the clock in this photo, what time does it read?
9:26:29
